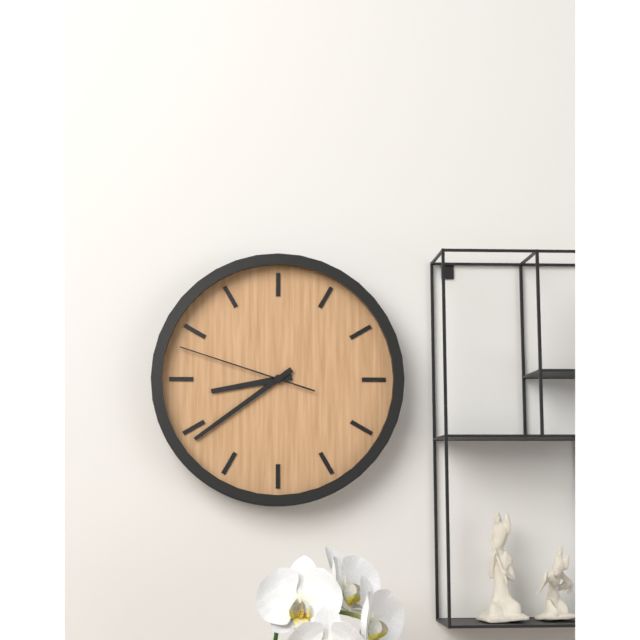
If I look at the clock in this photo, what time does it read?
8:39:48
